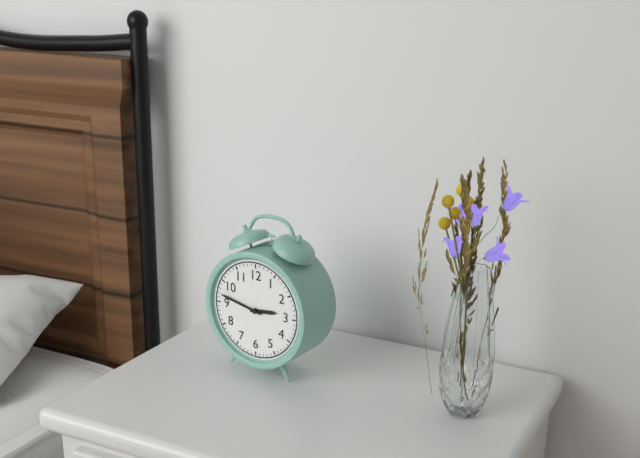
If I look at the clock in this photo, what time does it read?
2:47
